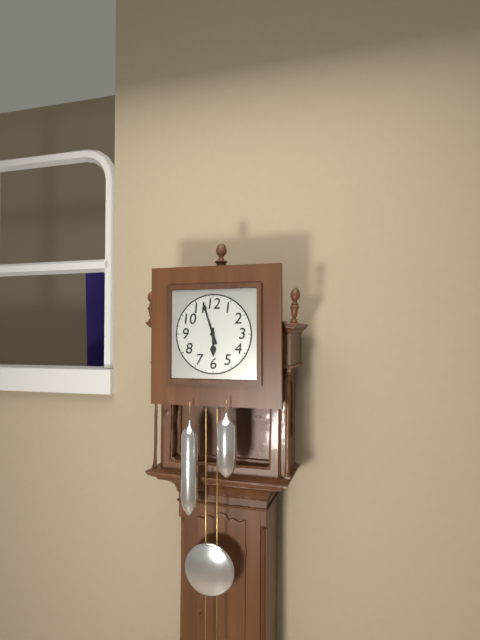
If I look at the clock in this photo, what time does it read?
5:57
